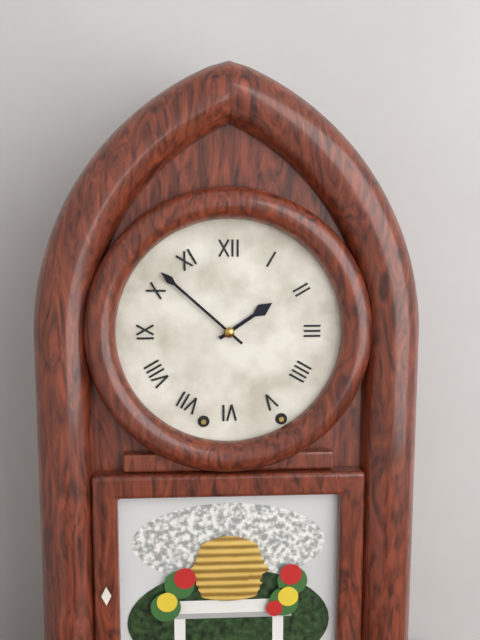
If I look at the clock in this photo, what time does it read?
1:52
